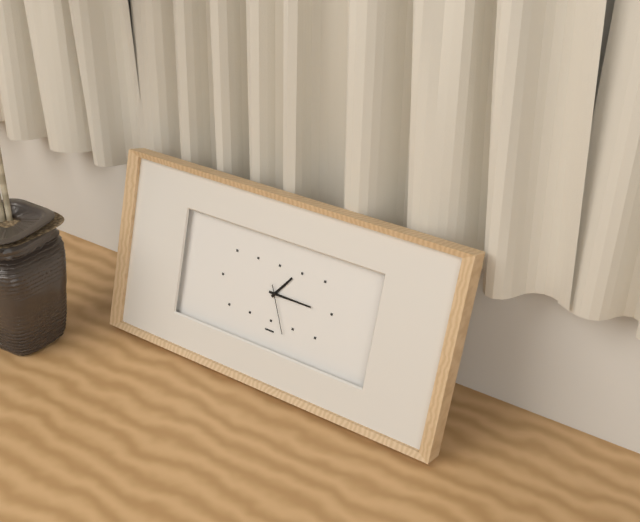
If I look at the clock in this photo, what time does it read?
1:15:26
